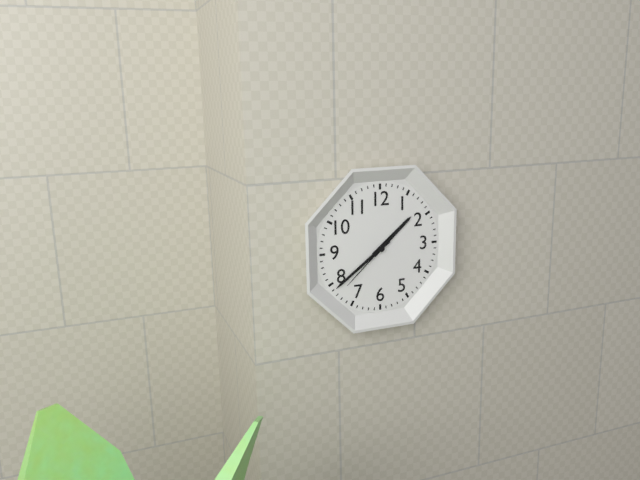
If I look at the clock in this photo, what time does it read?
1:39:38
